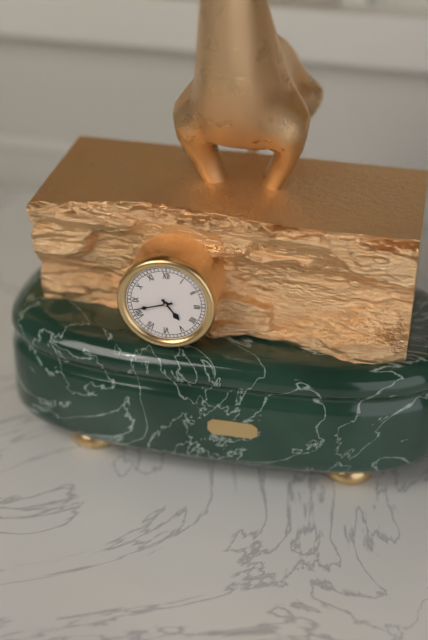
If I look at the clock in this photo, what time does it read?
4:42
